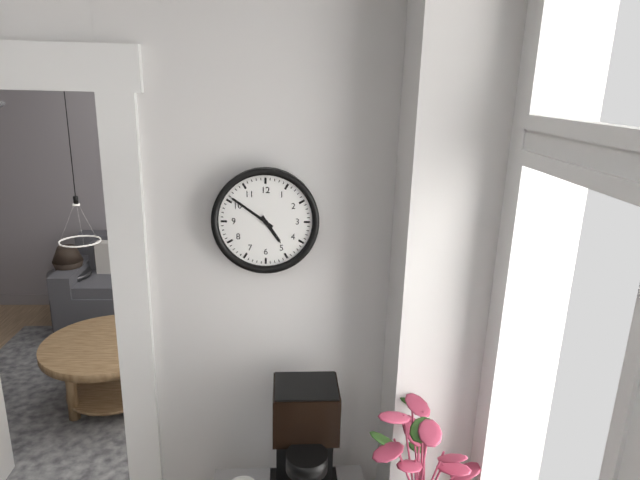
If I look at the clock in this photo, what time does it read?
4:51
